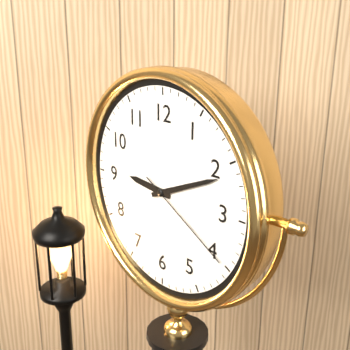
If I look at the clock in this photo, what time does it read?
9:11:20
